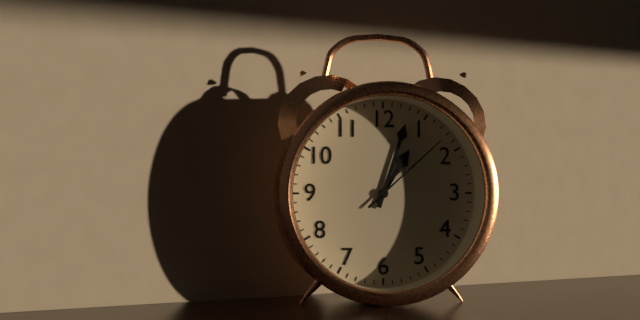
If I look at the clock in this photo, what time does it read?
1:03:08
